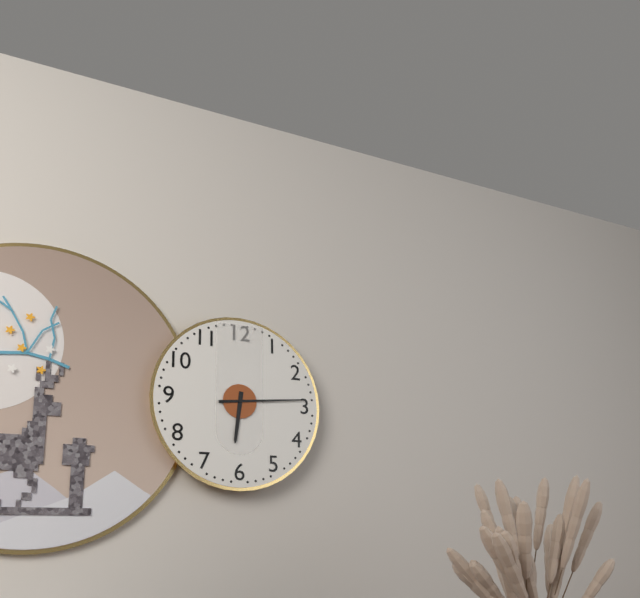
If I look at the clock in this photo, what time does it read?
6:14
